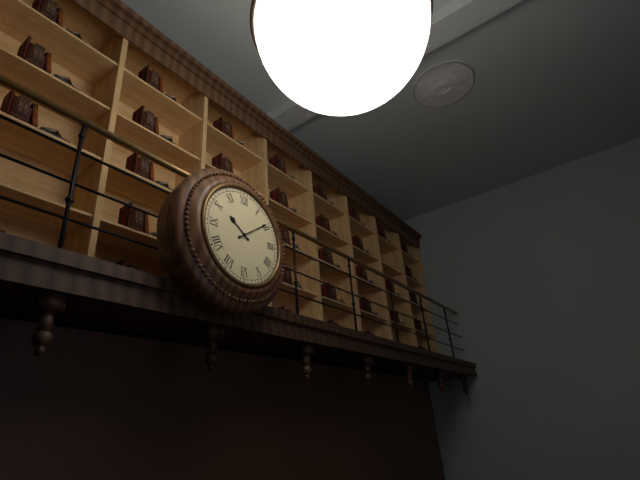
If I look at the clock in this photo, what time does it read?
10:09
